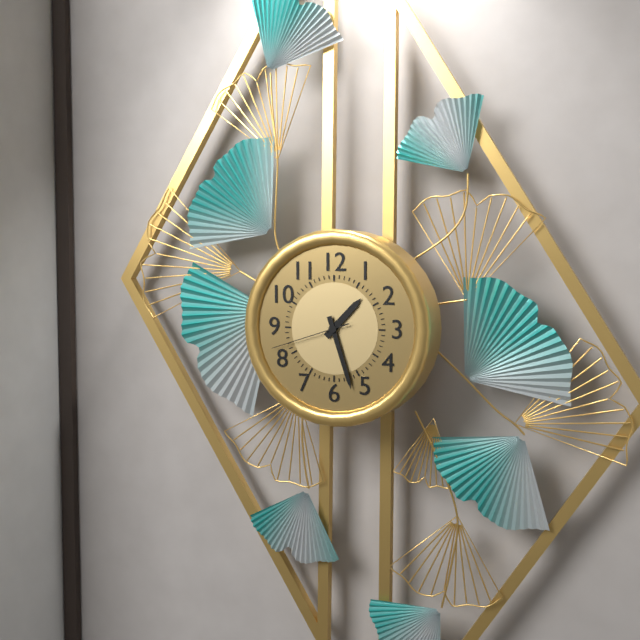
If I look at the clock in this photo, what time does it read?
1:27:42
